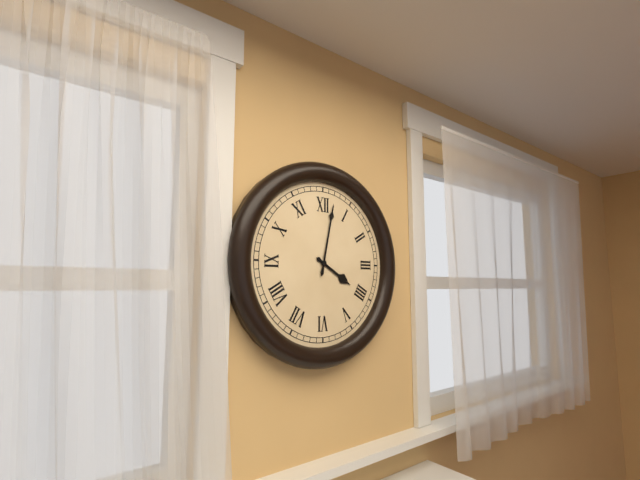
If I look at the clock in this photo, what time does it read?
4:02
